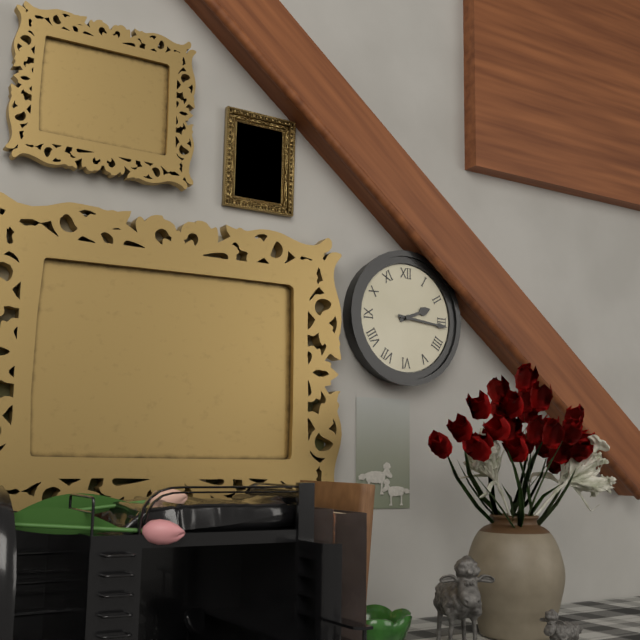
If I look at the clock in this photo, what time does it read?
2:16
